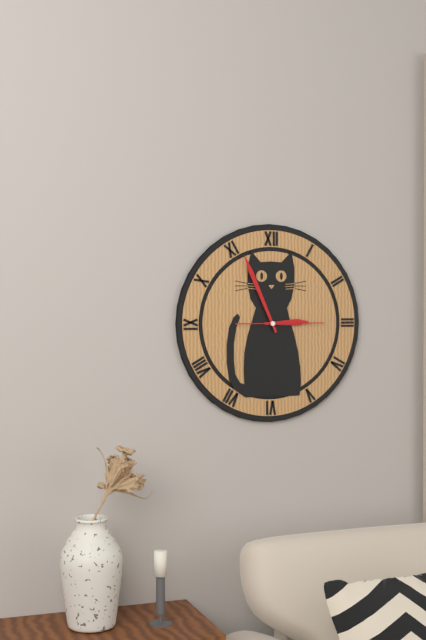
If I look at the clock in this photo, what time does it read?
2:56:15
